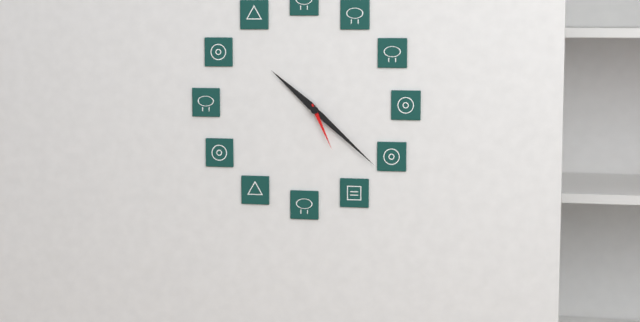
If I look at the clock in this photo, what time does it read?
10:22:26
